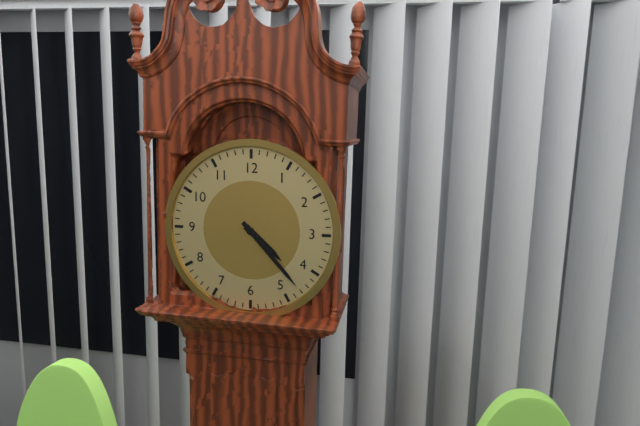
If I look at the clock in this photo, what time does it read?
4:23
